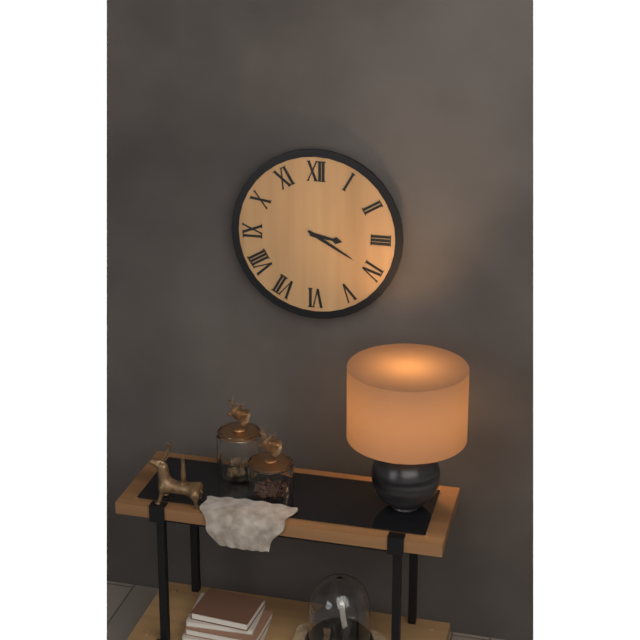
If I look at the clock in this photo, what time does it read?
3:20
